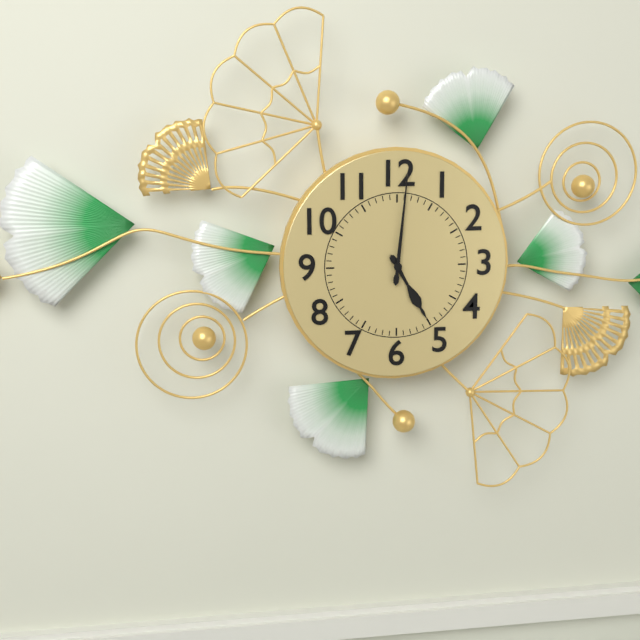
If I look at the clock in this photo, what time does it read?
5:01
